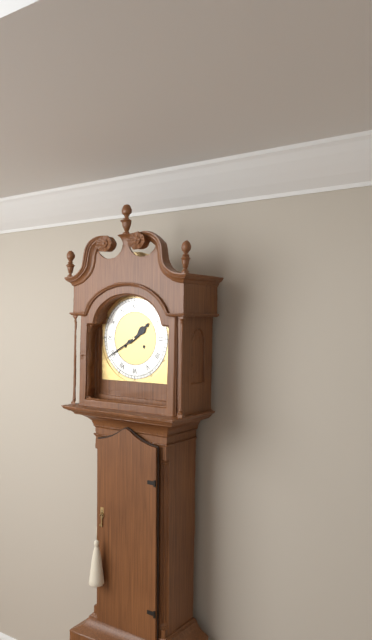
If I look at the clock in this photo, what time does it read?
1:40
